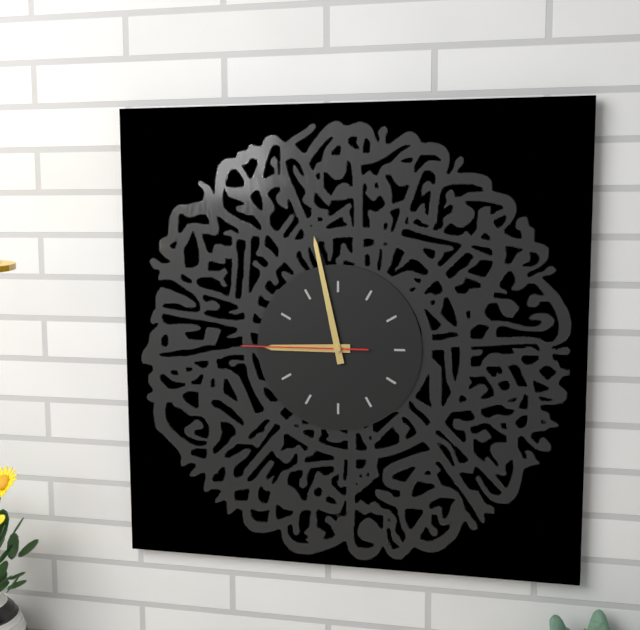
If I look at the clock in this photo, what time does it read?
8:58:45
